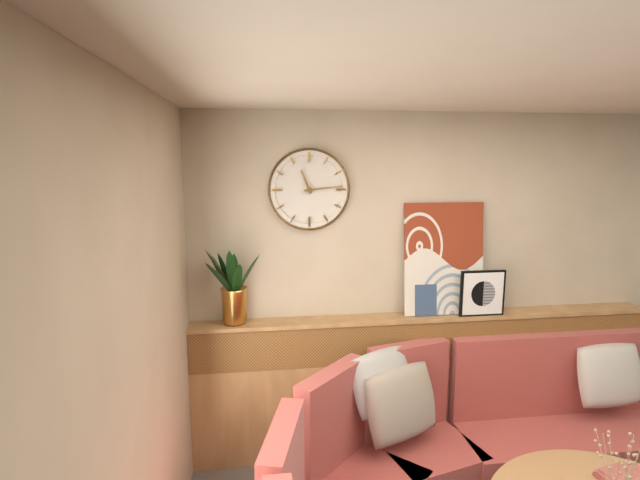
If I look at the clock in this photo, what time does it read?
11:14
